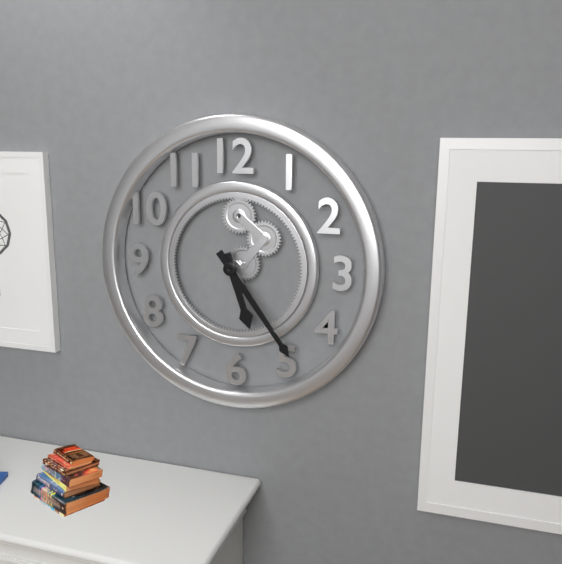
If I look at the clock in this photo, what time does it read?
5:24
